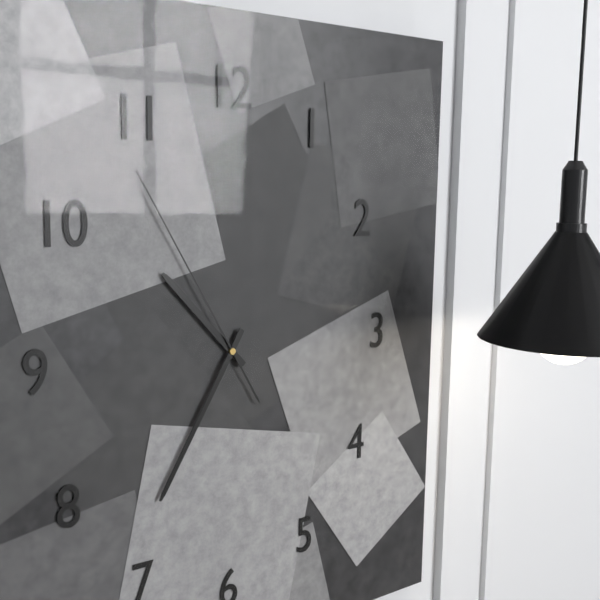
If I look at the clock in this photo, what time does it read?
10:35:55
